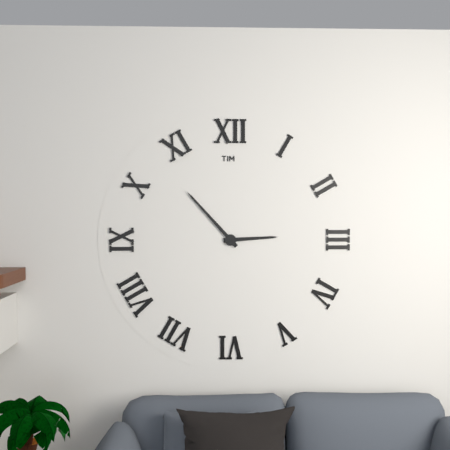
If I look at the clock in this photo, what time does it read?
2:53
